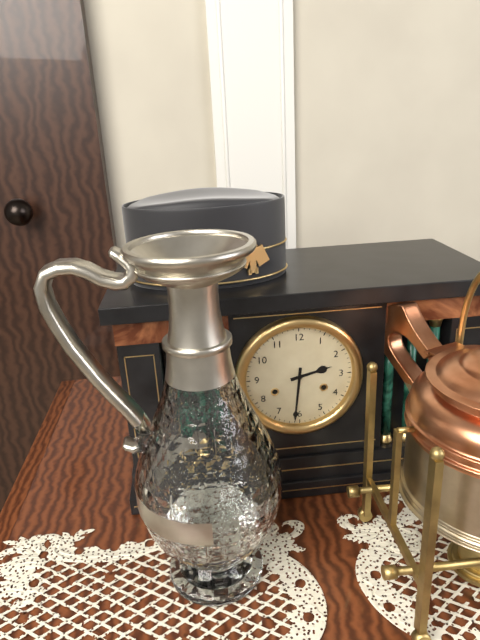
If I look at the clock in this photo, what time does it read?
2:31
